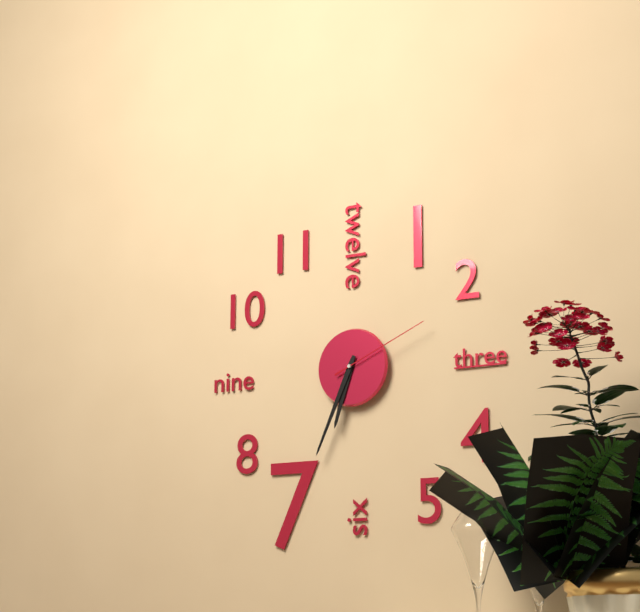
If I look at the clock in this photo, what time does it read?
6:34:11
